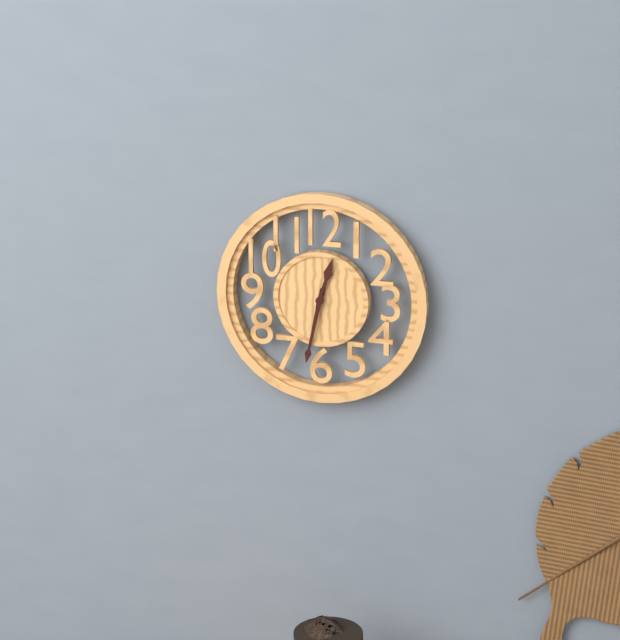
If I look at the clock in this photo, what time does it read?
12:32
